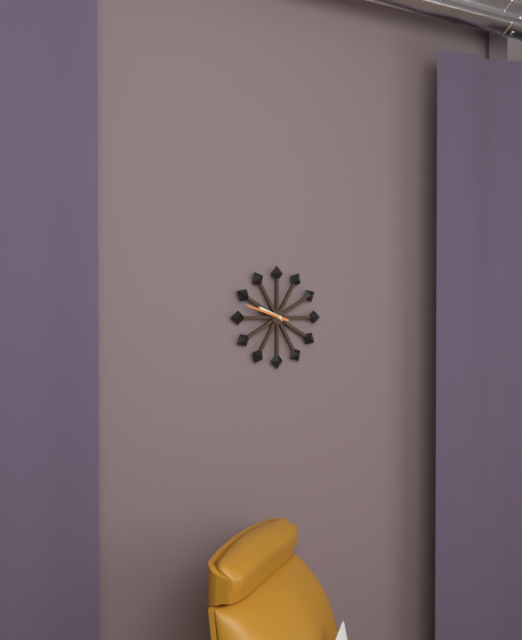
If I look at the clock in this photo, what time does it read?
9:48
